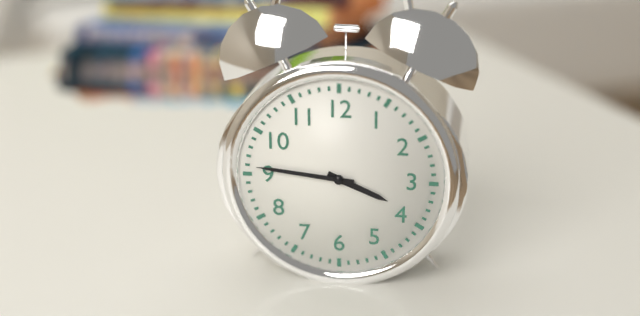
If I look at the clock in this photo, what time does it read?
3:46
